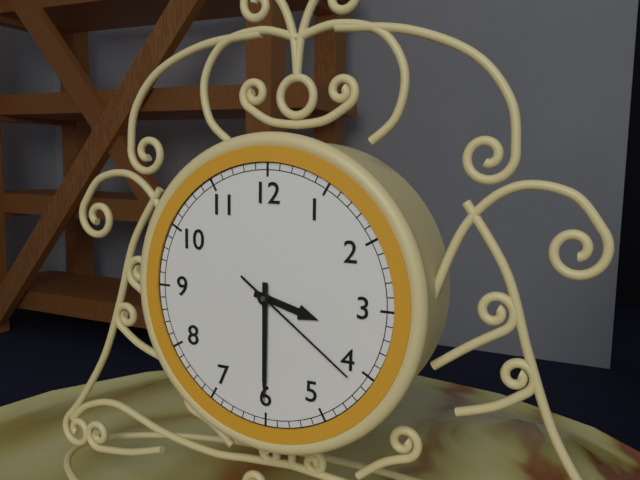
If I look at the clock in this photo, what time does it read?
3:30:21
